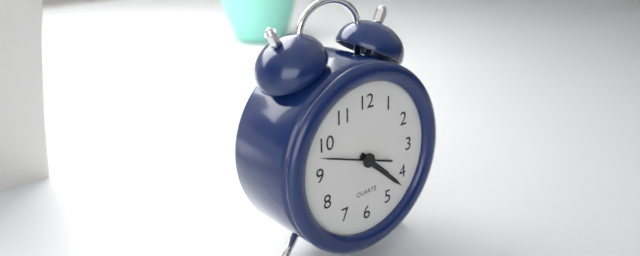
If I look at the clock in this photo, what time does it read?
4:22:48
